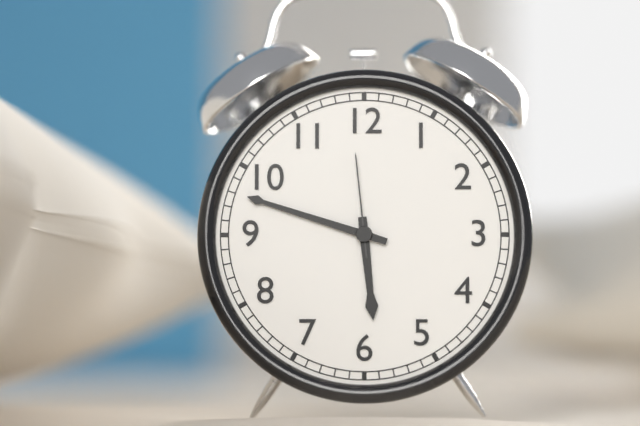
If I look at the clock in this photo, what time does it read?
5:48:59
